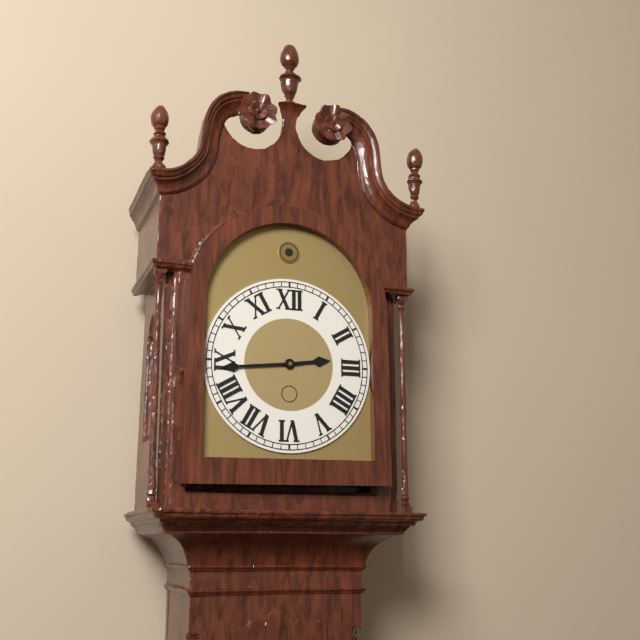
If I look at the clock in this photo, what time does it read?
2:44
